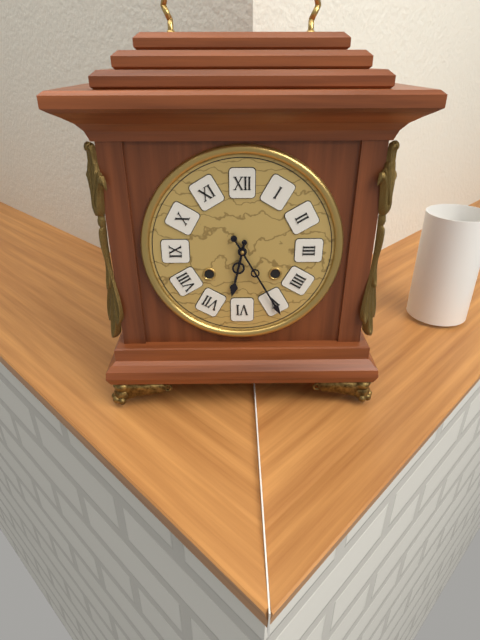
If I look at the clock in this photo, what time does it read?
6:25
